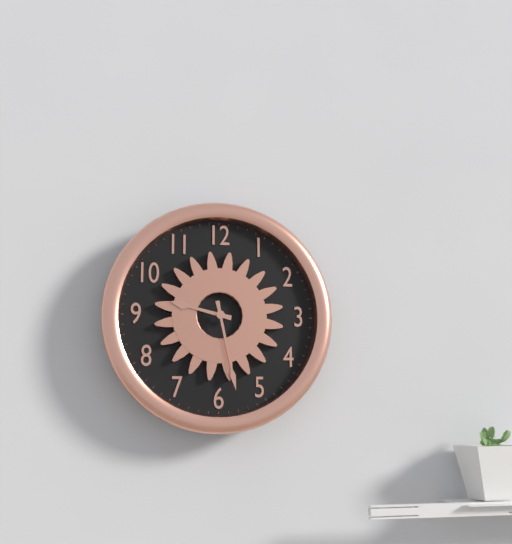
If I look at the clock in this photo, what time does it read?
9:28
